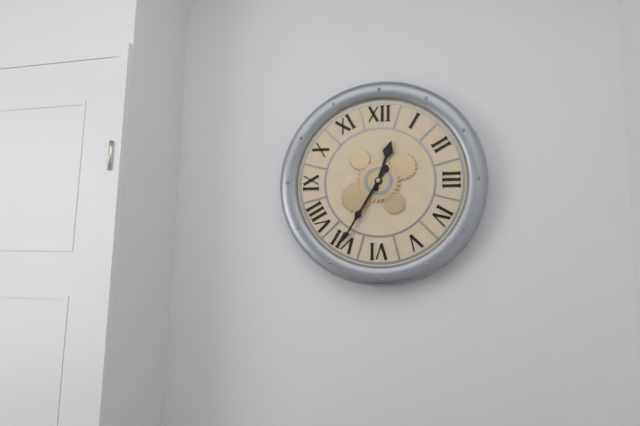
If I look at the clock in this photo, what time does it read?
12:35
